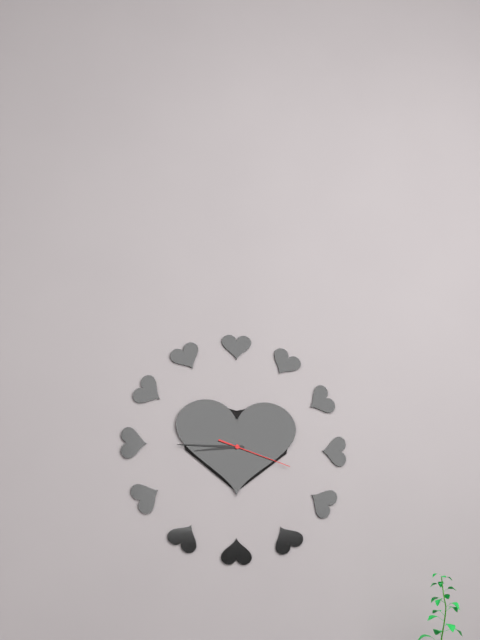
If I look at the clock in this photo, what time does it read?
8:45:18
